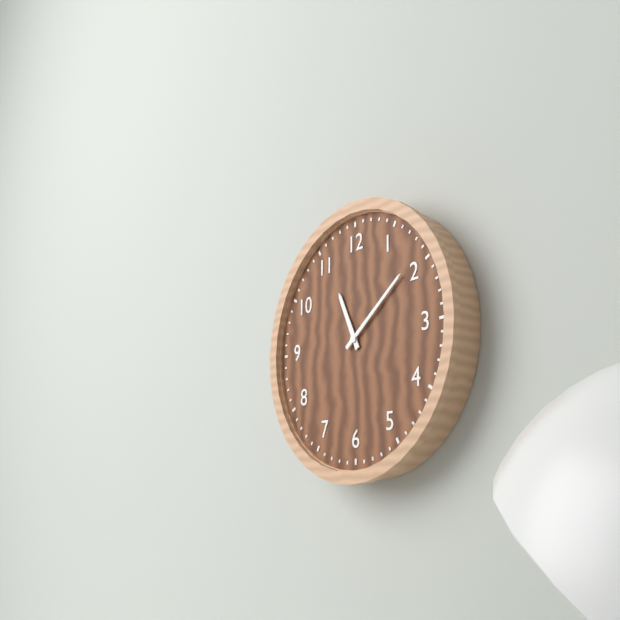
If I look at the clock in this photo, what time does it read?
11:09
